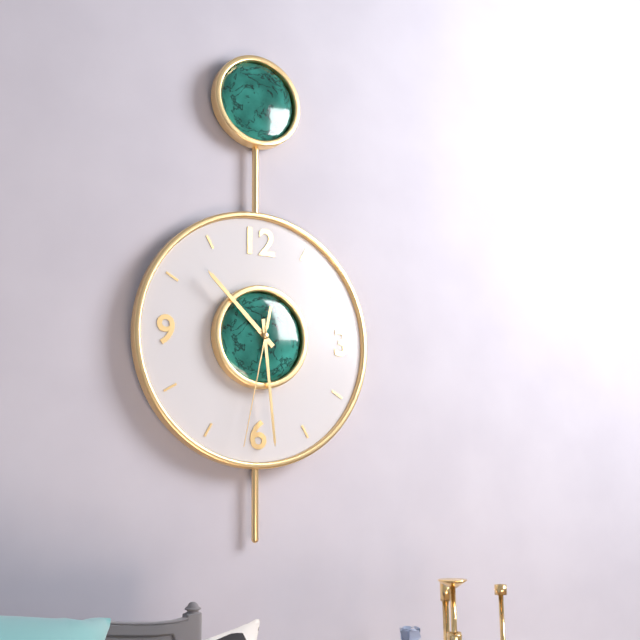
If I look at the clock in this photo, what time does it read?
10:29:32
